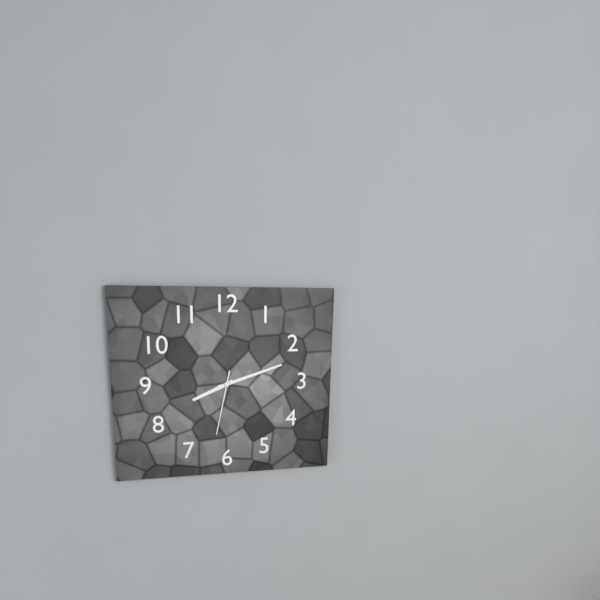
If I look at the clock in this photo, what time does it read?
8:12:32
